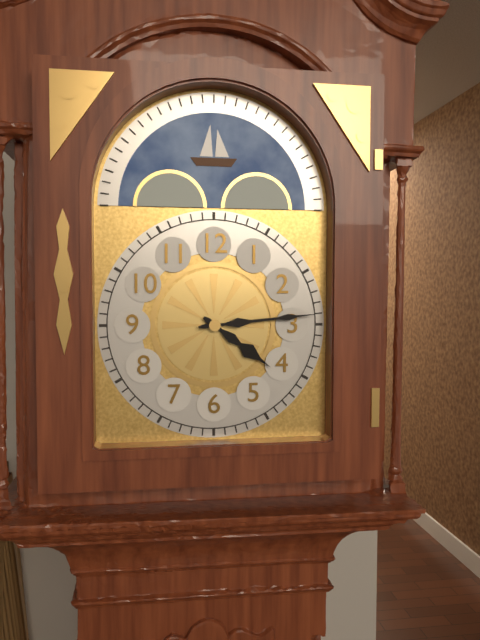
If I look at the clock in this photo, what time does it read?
4:14
